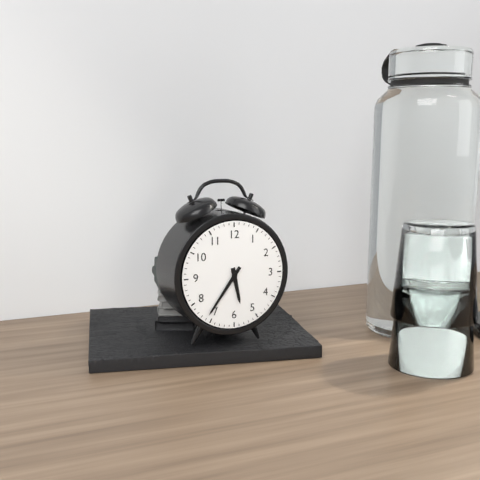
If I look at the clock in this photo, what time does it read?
5:36
